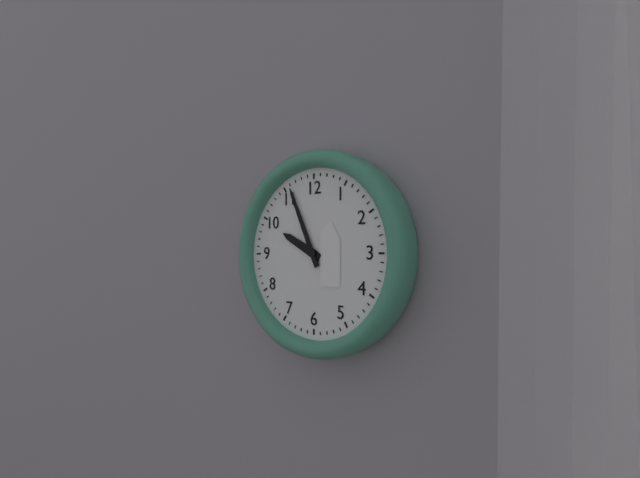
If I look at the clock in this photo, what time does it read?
9:56
